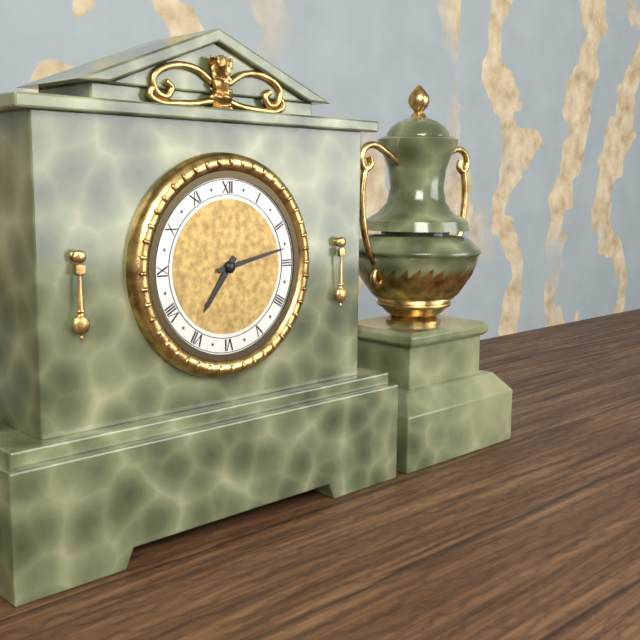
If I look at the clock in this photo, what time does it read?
7:13
